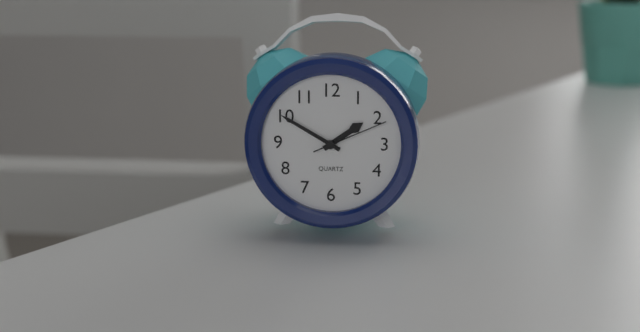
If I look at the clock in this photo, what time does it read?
1:50:11
